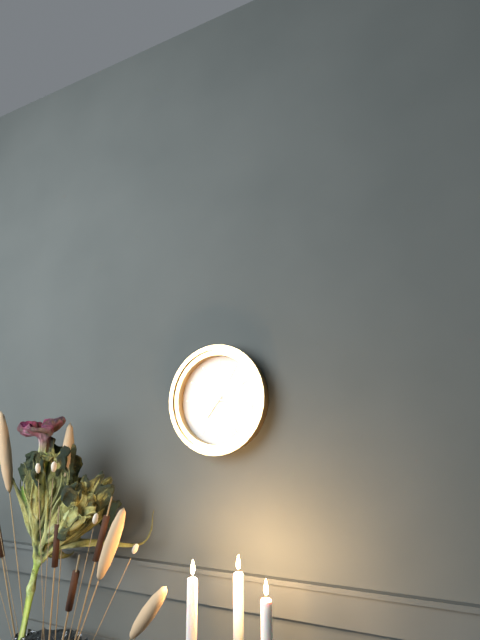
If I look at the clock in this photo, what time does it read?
7:17
